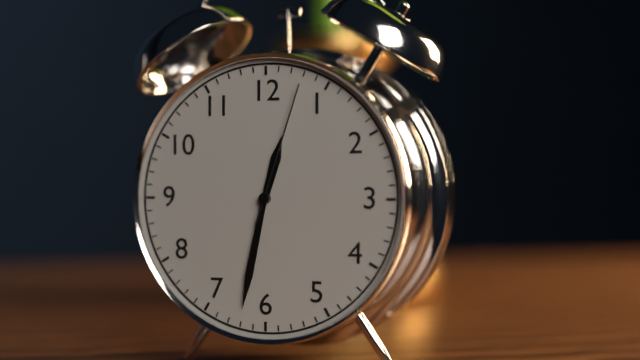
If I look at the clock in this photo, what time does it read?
12:32:03
